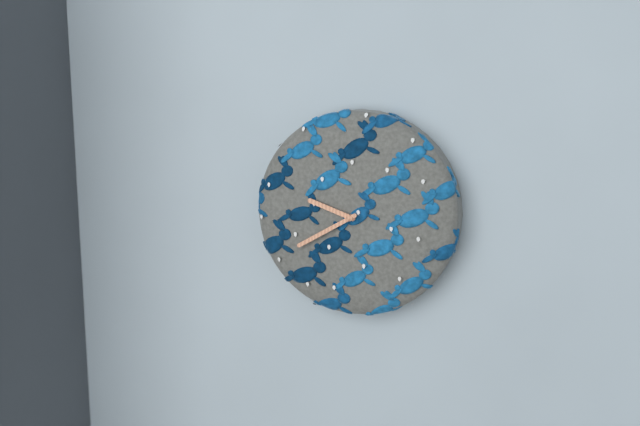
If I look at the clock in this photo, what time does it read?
9:40
